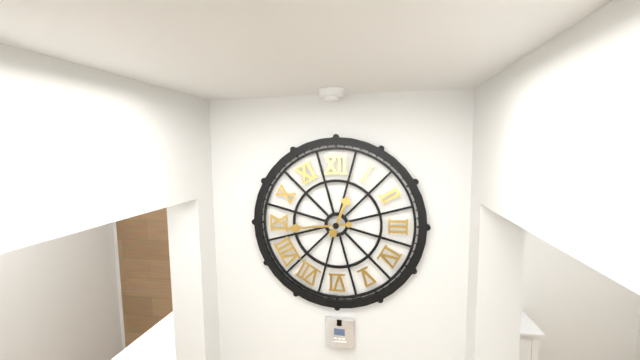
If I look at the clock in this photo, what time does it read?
12:44
